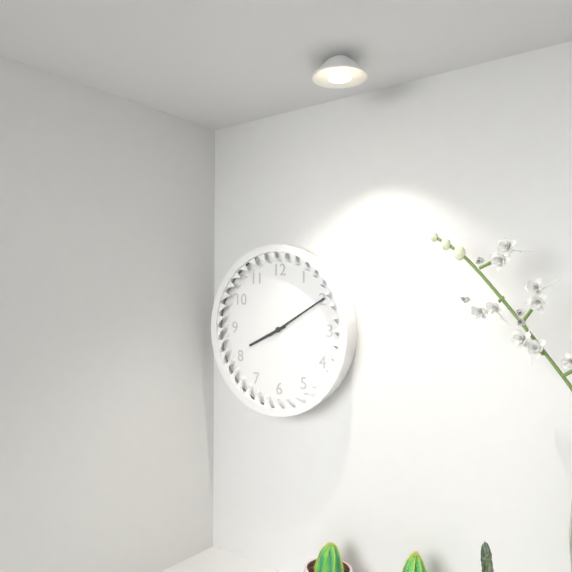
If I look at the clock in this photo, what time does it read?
8:10
